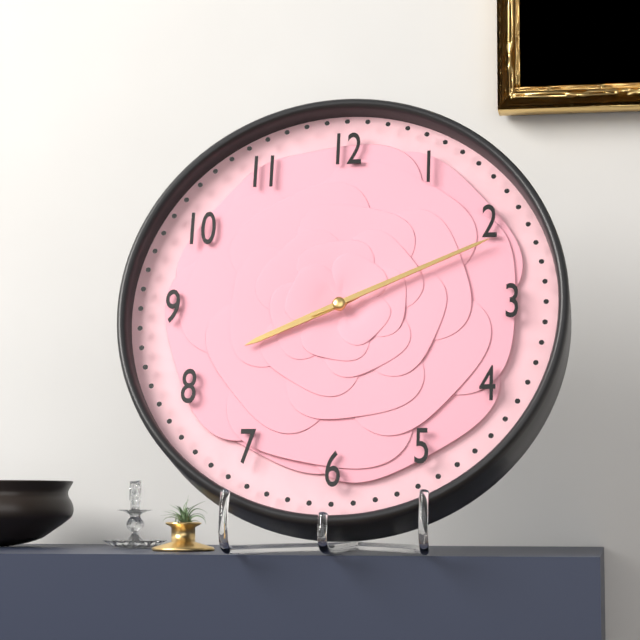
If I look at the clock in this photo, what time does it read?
8:11
